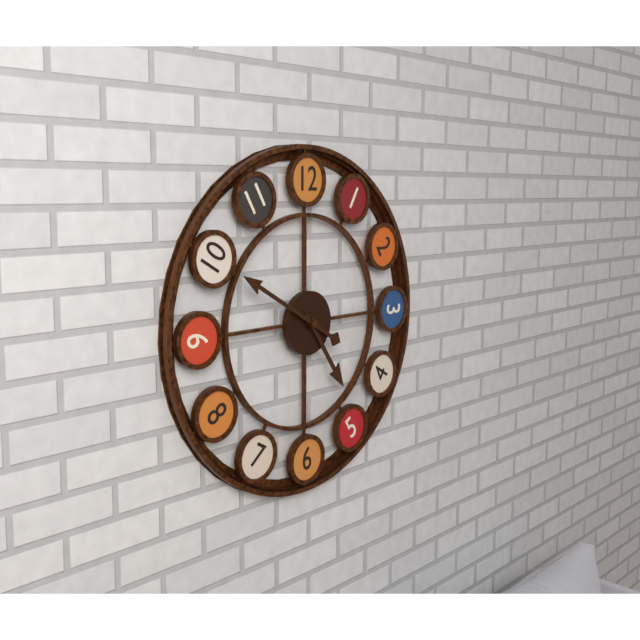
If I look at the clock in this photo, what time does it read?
4:50
